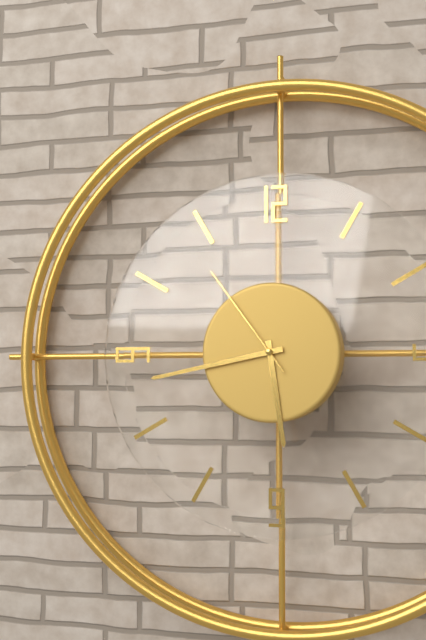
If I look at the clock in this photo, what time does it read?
5:43:54
